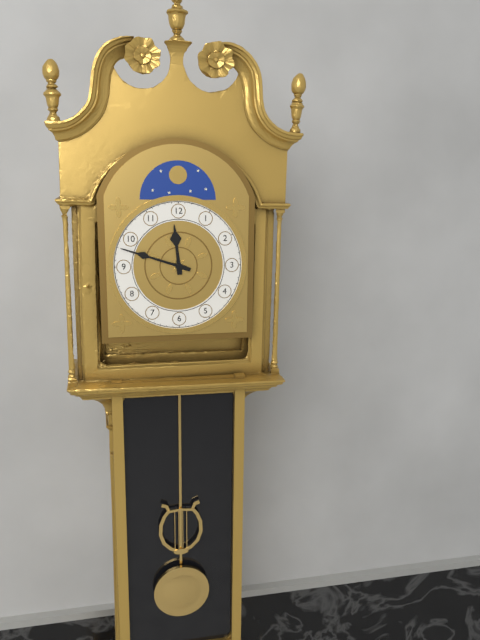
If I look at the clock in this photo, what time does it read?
11:48
